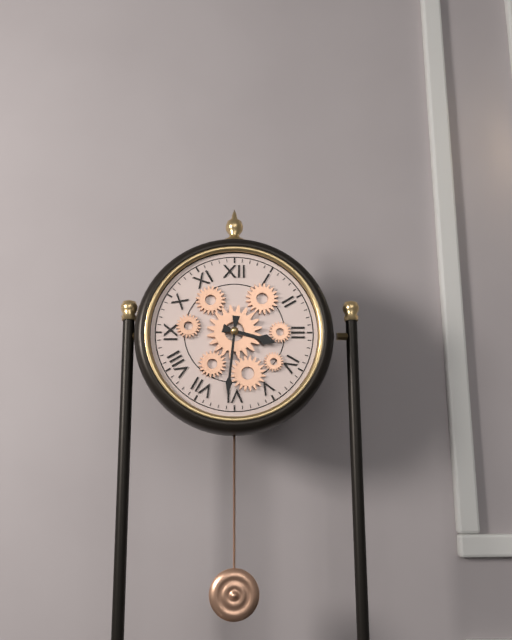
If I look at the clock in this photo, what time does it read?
3:31
